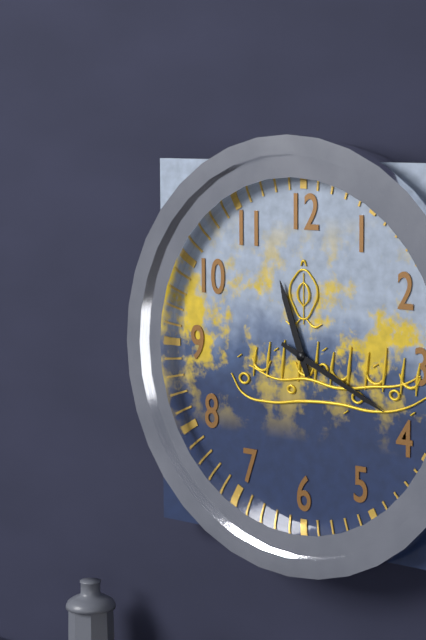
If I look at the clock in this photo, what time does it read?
11:19
